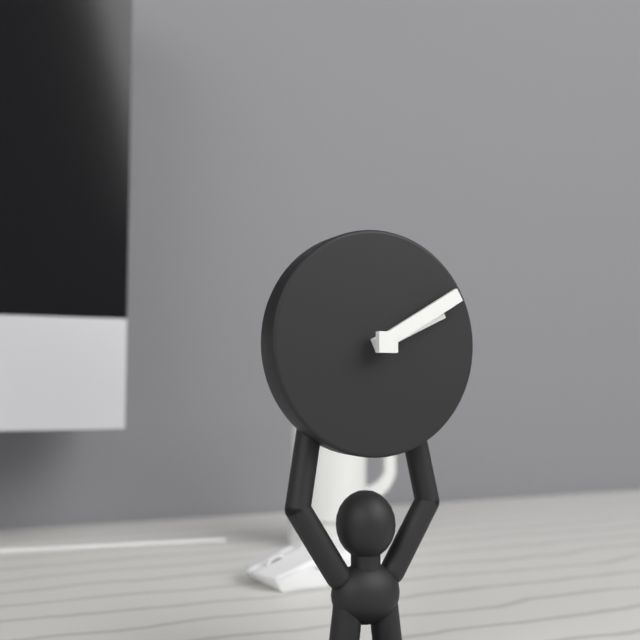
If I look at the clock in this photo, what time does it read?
2:10
